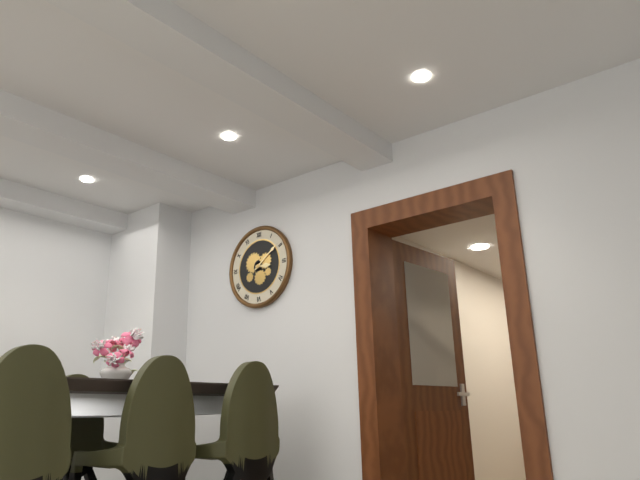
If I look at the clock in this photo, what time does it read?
3:09
